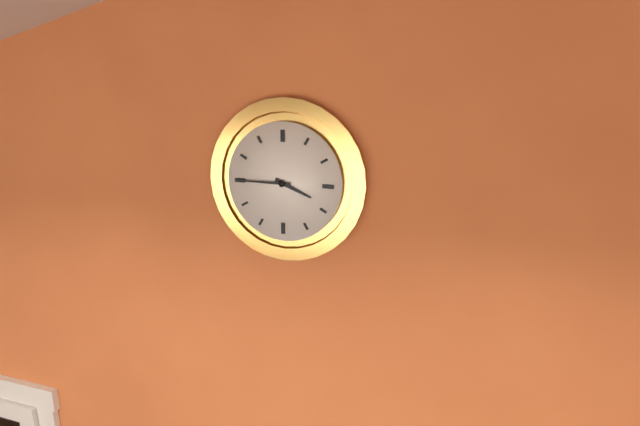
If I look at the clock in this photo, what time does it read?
3:45
